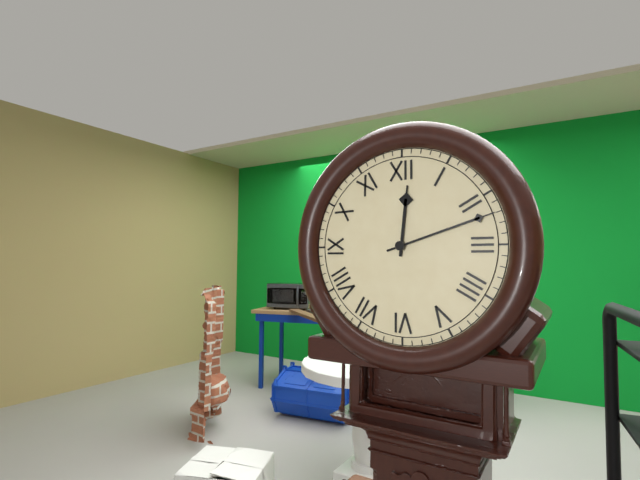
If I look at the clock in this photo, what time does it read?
12:12
